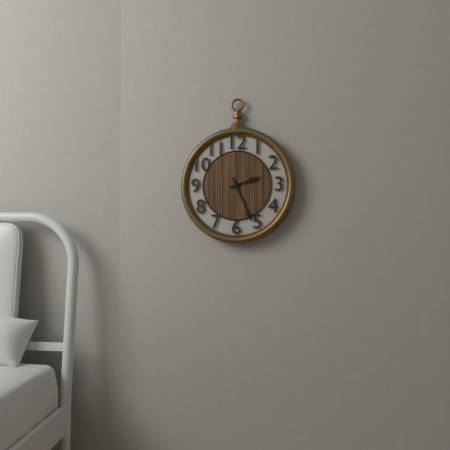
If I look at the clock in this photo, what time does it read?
2:26
